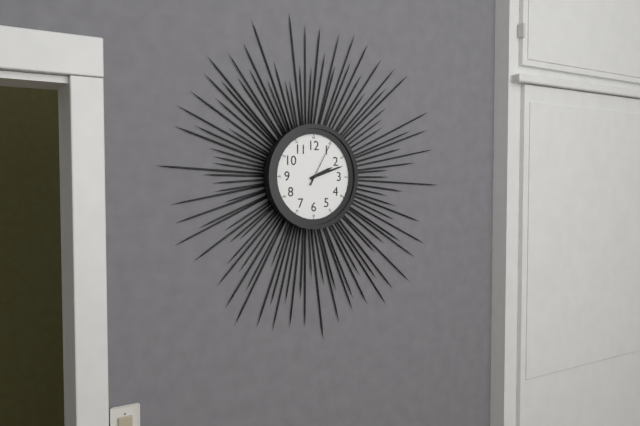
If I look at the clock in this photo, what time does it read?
2:12
